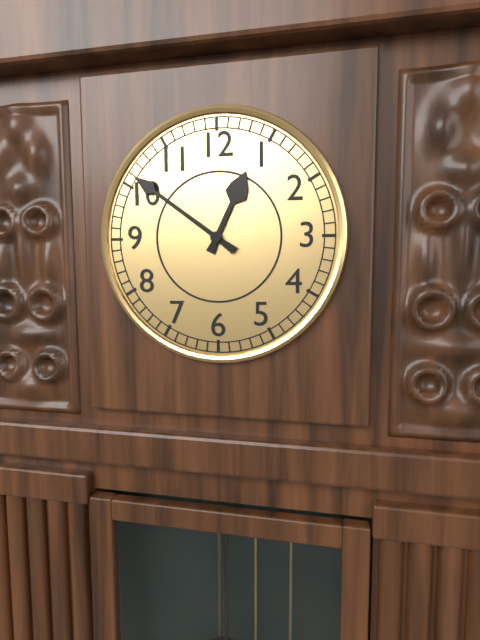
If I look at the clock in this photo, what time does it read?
12:51
